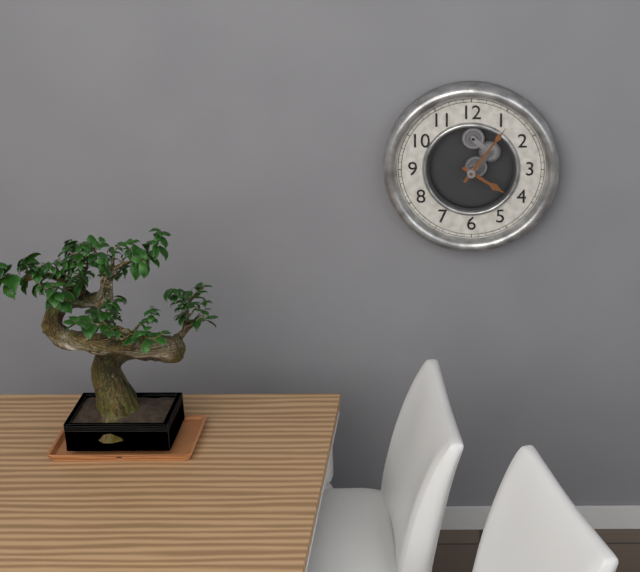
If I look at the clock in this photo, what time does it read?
4:06
